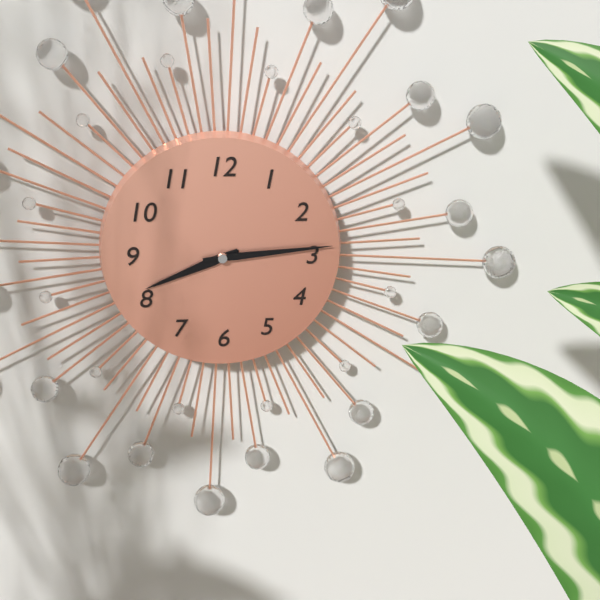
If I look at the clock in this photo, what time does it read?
8:14
